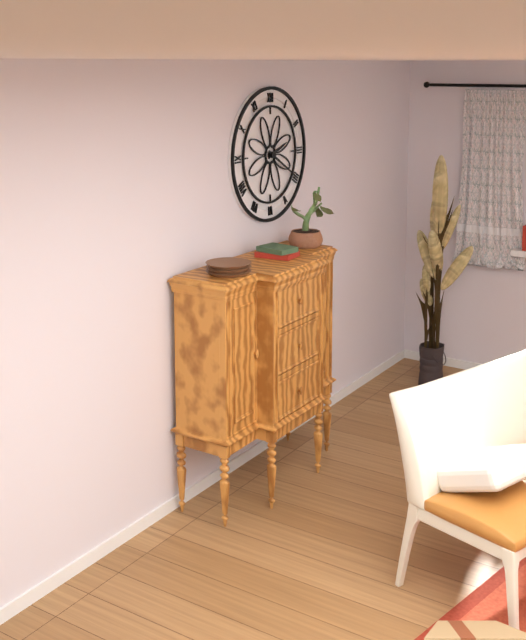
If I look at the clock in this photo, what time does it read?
2:20
